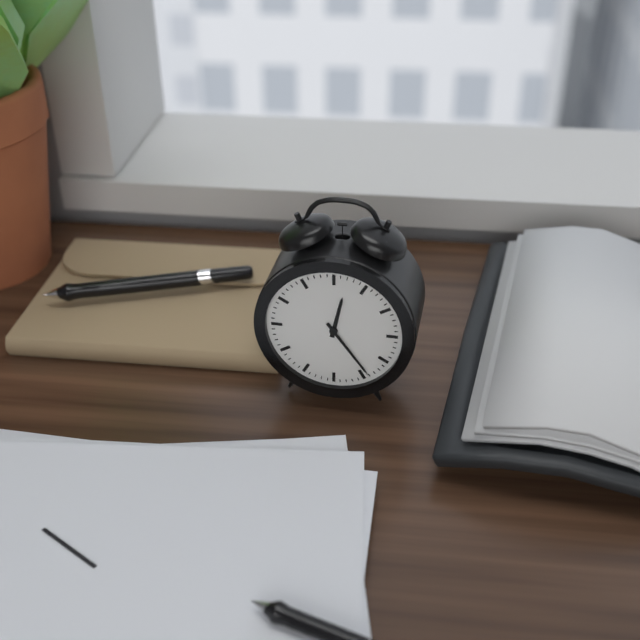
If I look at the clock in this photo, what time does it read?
12:24
